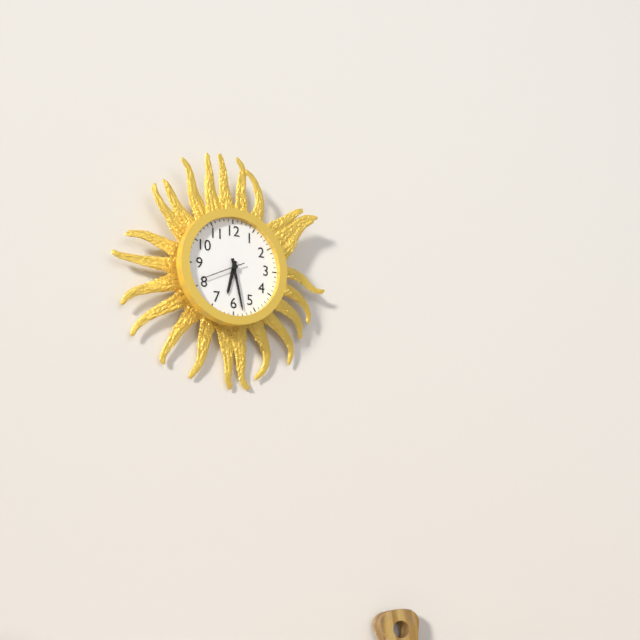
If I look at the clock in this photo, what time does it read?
6:28
